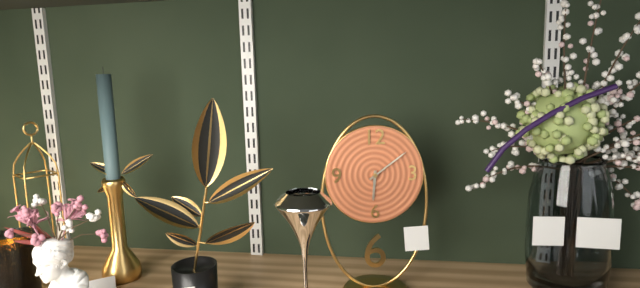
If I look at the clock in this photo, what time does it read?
6:09
